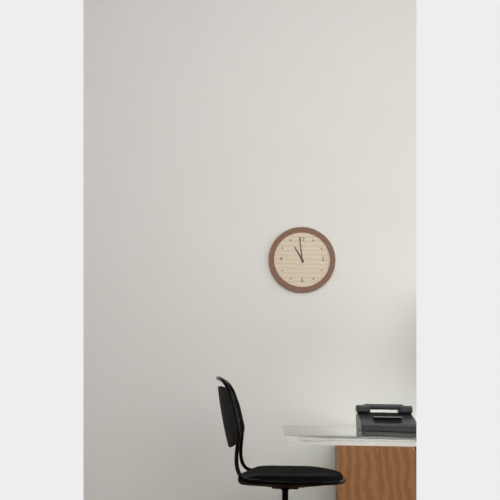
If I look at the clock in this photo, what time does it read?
10:59
